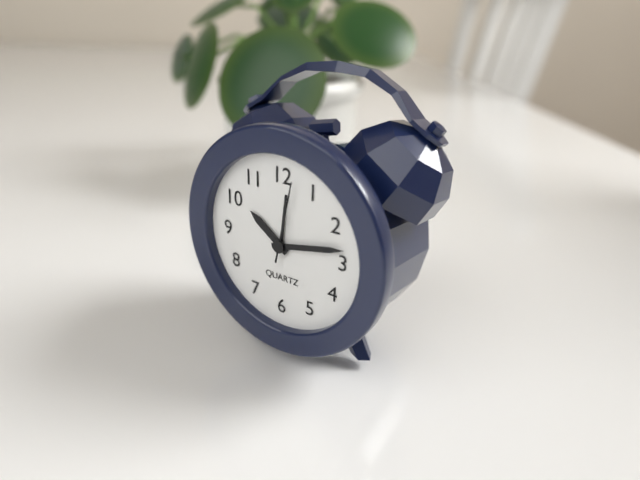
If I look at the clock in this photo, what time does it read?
10:13:02
